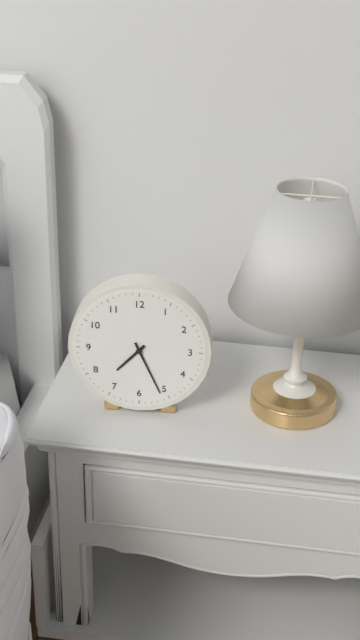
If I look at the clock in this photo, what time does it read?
7:26
